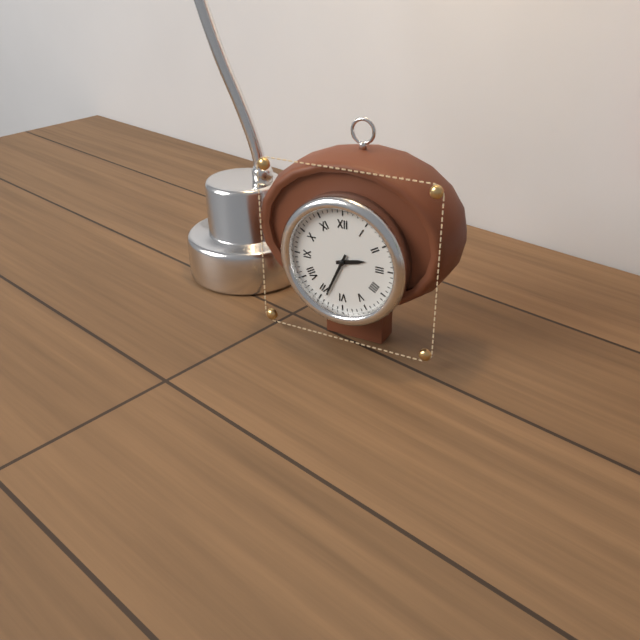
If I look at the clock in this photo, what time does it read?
2:34
